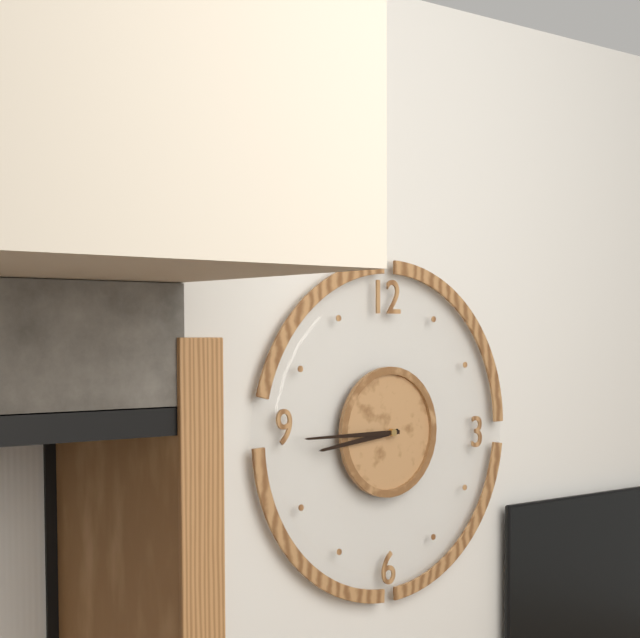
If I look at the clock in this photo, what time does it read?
8:45
